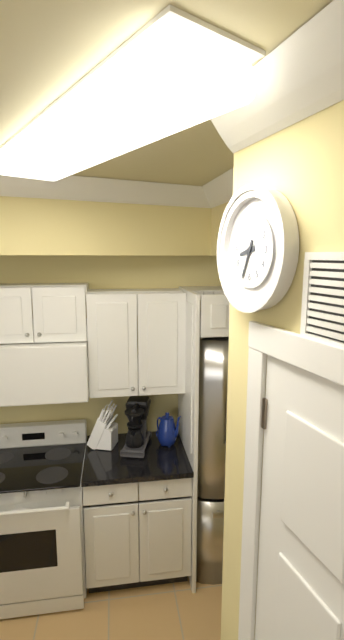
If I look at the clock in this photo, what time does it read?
8:34
